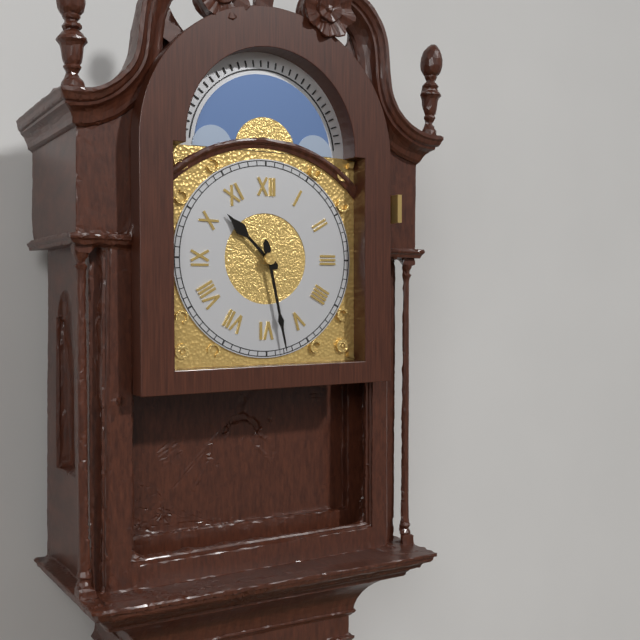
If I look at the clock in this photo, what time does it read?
10:28
